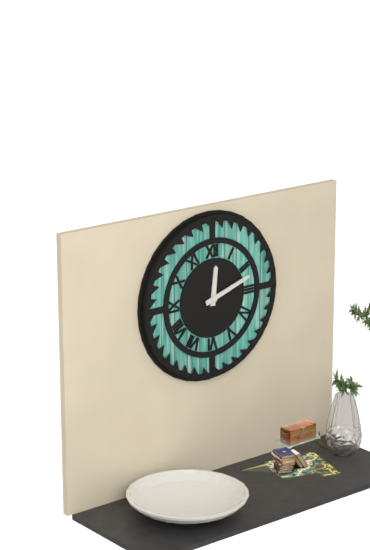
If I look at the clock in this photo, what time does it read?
12:12
